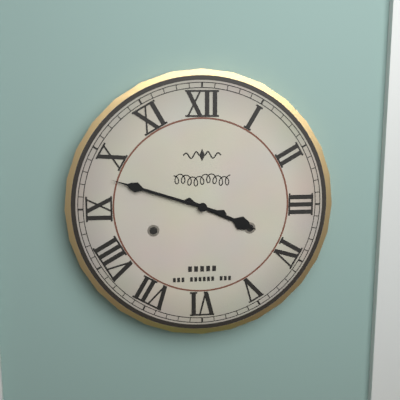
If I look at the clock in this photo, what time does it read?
3:48
